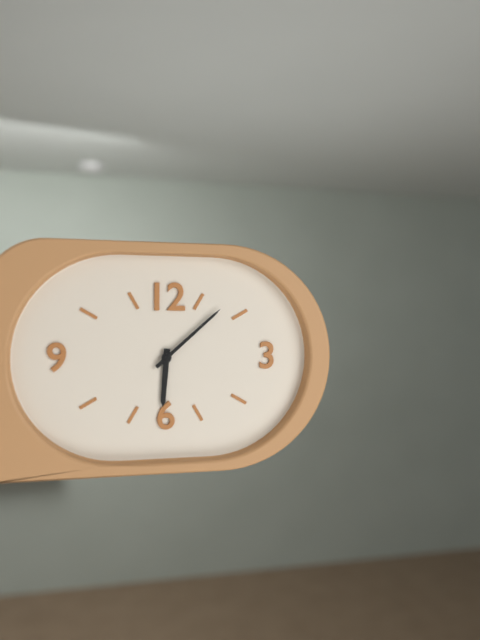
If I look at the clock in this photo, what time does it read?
6:08
